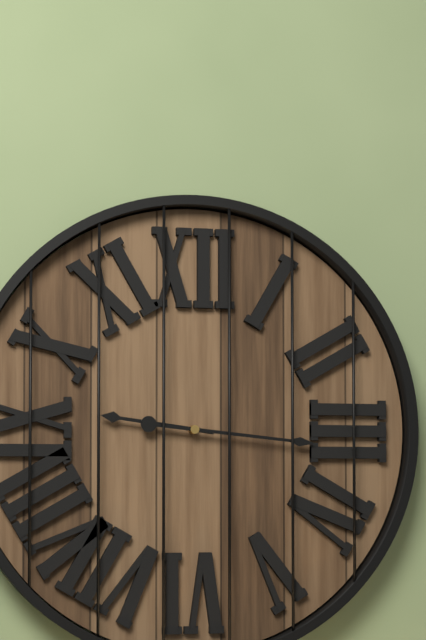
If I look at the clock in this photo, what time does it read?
9:16
